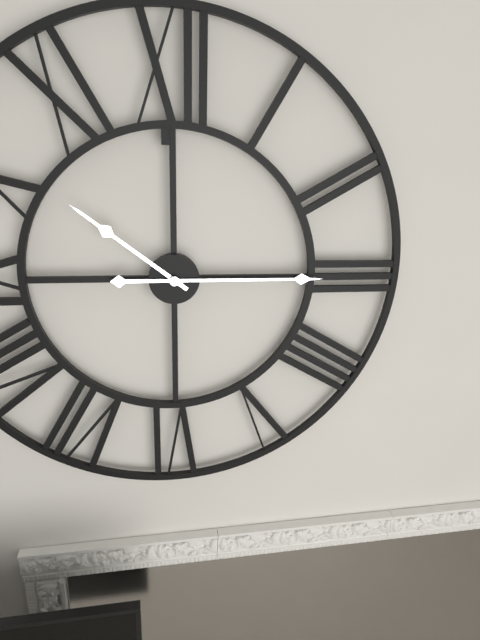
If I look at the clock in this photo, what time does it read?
10:15
